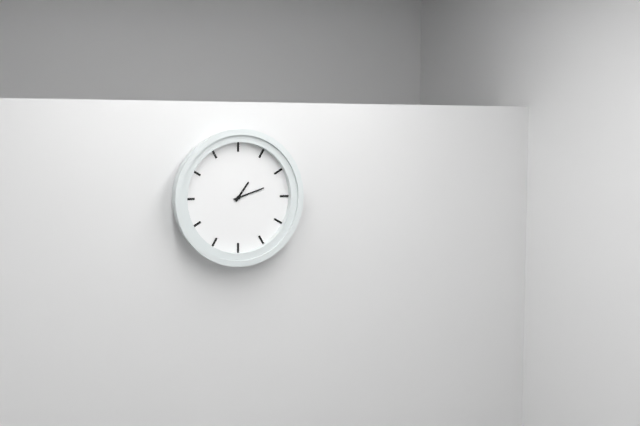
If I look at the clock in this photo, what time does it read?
1:12
